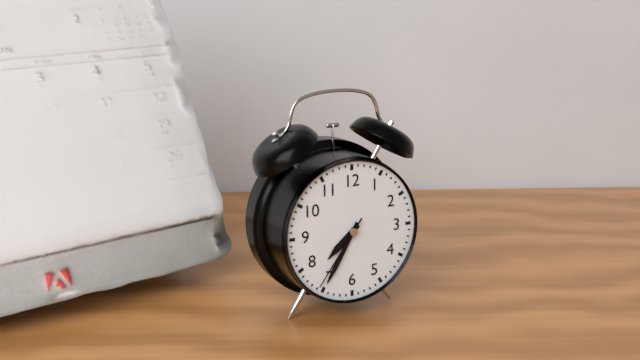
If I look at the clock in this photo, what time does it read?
7:35:36
